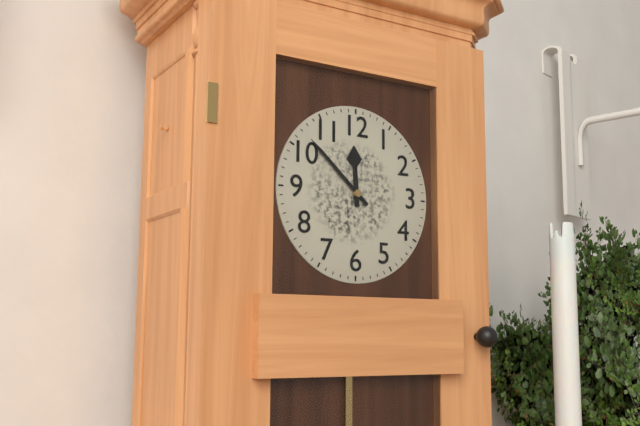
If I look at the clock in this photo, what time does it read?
11:52
